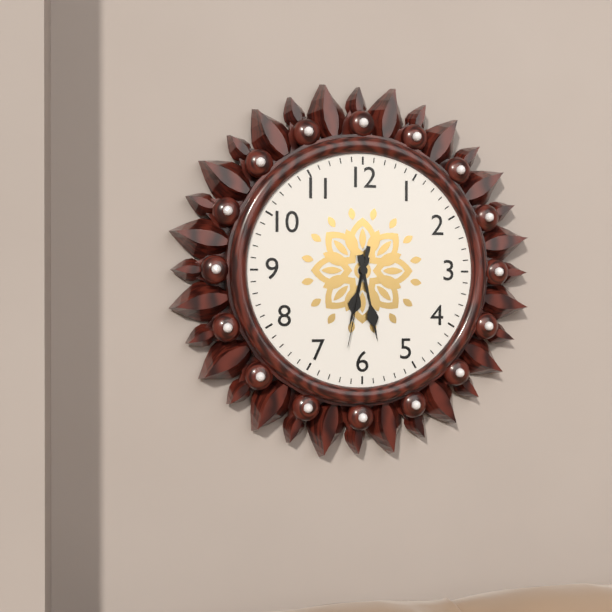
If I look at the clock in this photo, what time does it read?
6:28:32
